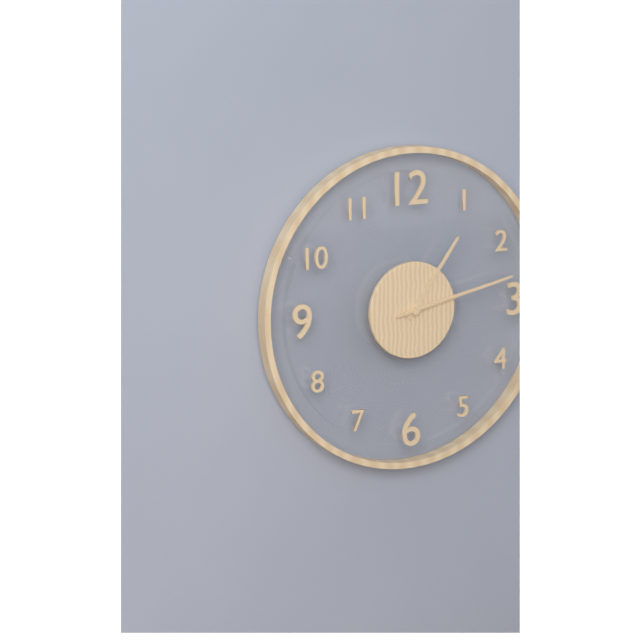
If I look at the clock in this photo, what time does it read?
1:13:13
